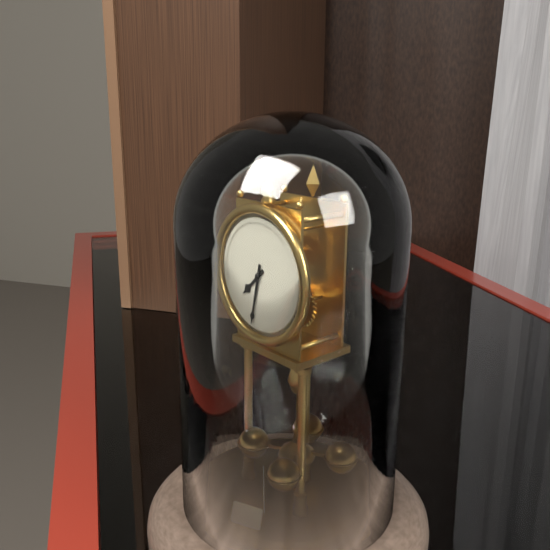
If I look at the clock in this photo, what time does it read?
7:32
